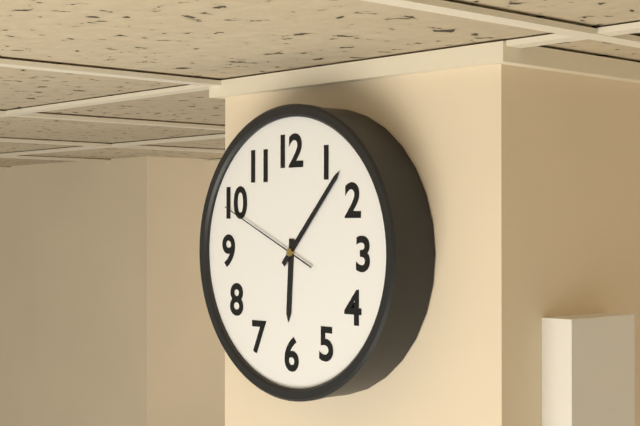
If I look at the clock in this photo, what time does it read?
6:07:49
